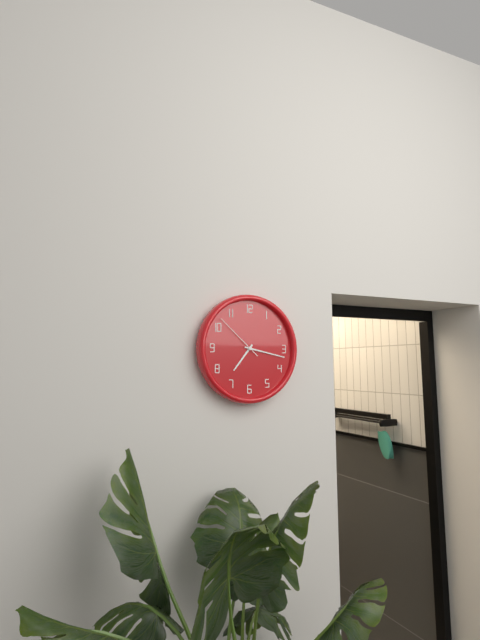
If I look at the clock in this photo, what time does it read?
7:17
